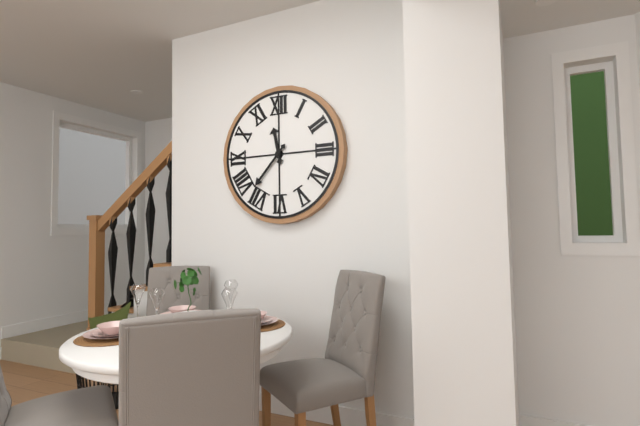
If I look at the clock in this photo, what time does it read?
11:37
